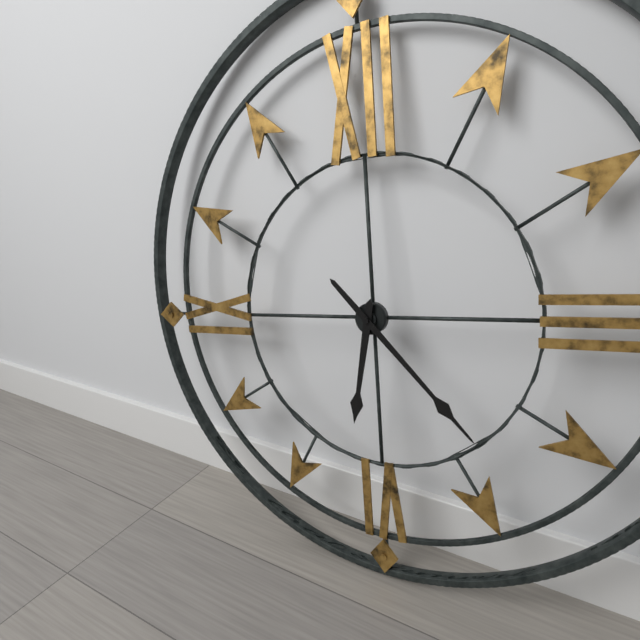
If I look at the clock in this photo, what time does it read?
6:23
